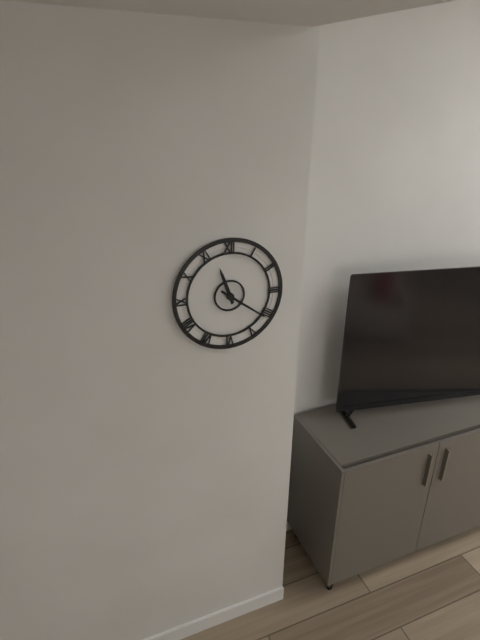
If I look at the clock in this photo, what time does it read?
11:21
